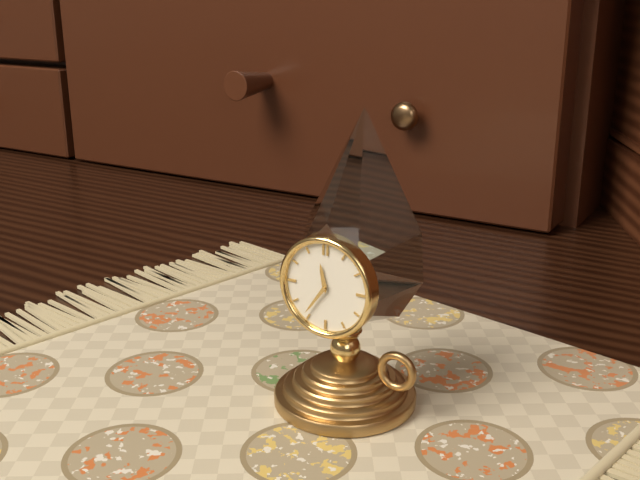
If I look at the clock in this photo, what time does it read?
11:36
